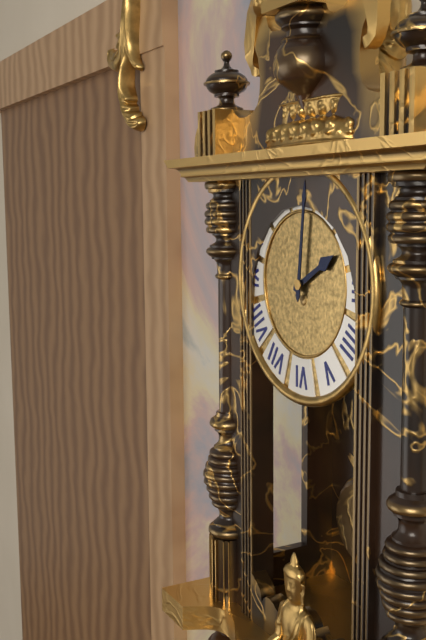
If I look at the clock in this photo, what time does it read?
2:01
